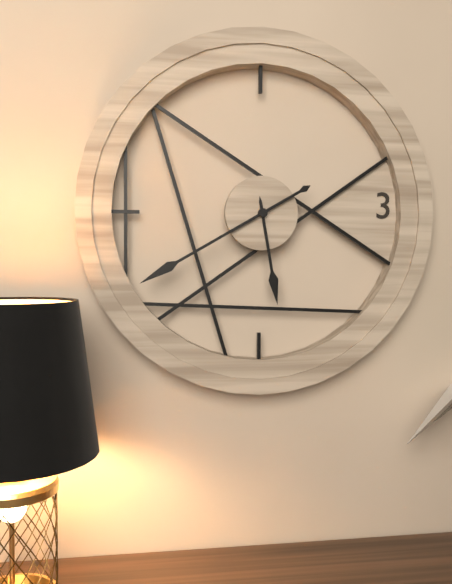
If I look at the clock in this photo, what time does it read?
5:40
